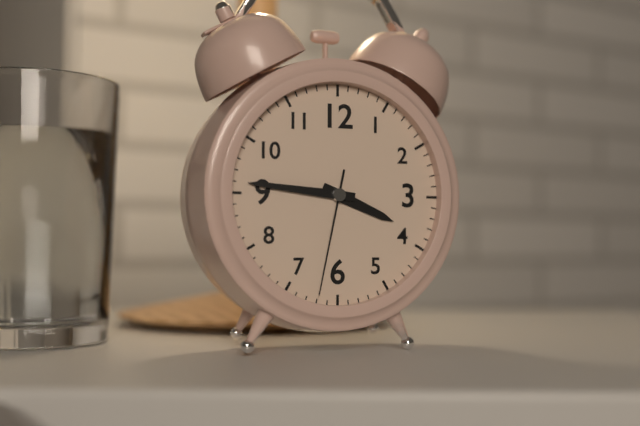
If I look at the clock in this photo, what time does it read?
3:46:32
